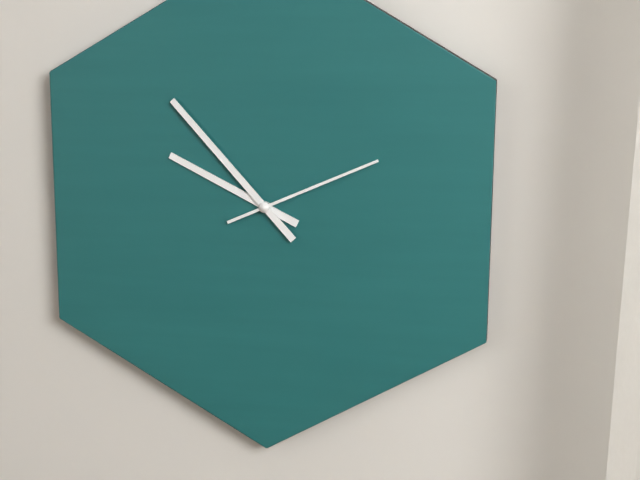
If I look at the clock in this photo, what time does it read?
9:53:11
